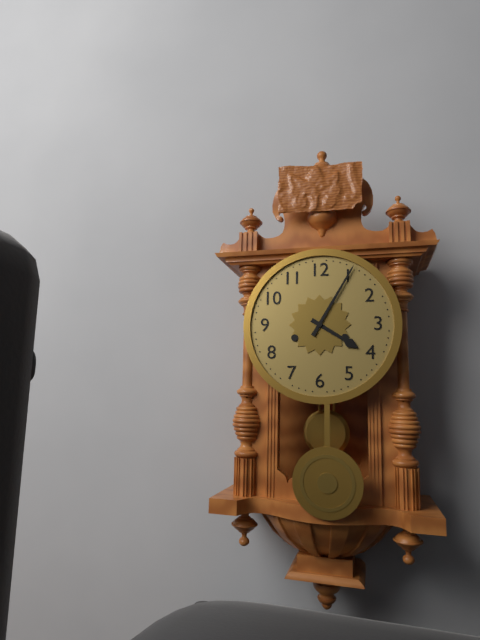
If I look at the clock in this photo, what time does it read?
4:05
